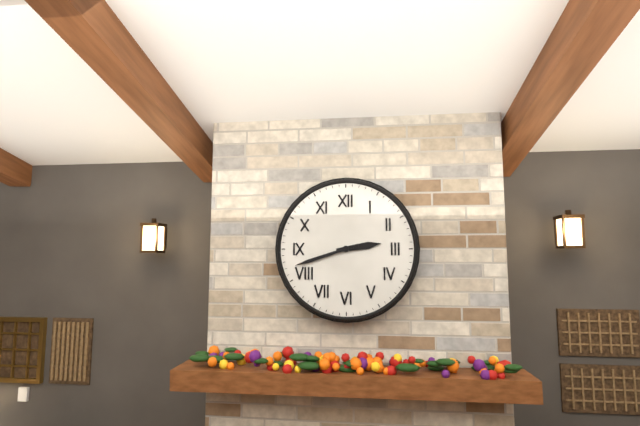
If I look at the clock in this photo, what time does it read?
2:42
